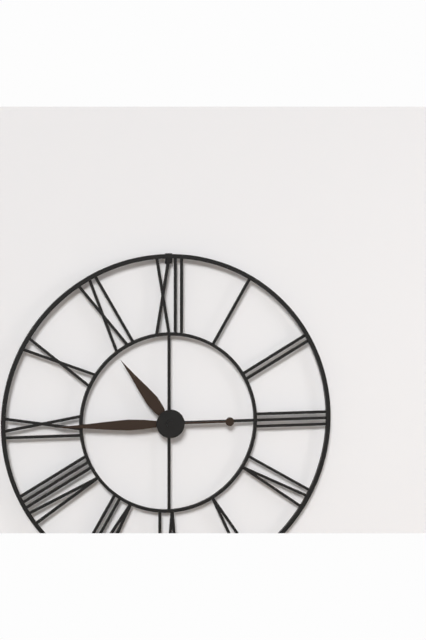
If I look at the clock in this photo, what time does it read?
10:45
